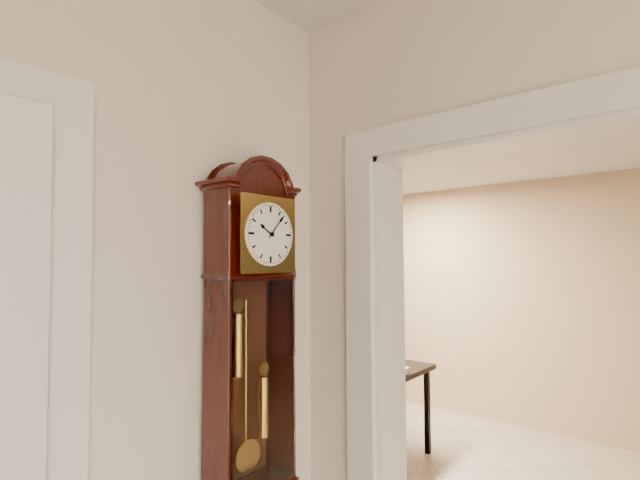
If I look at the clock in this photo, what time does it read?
10:07
